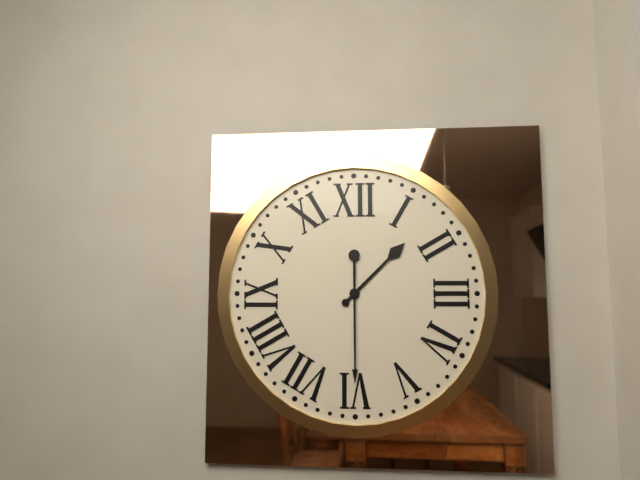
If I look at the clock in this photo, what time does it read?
1:30
